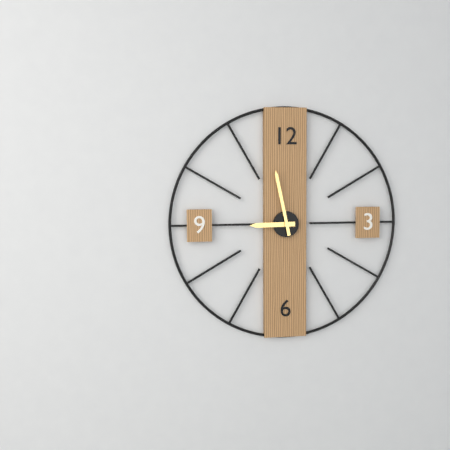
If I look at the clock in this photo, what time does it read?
8:58
